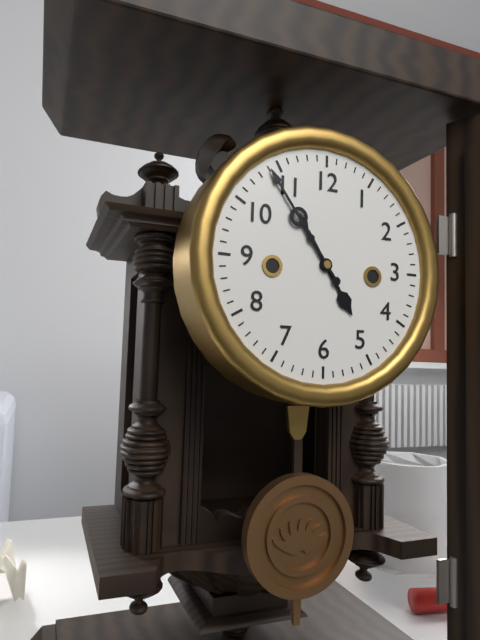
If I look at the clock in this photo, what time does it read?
4:54
